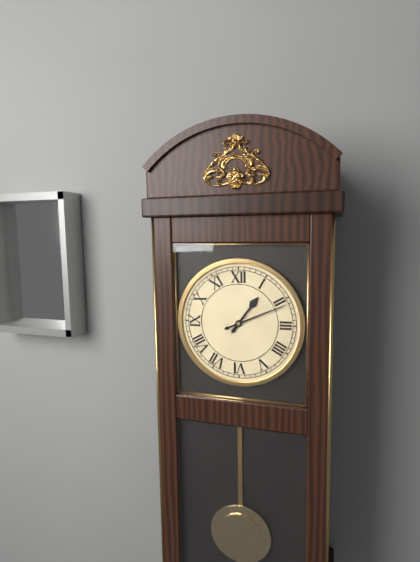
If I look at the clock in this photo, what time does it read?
1:11
